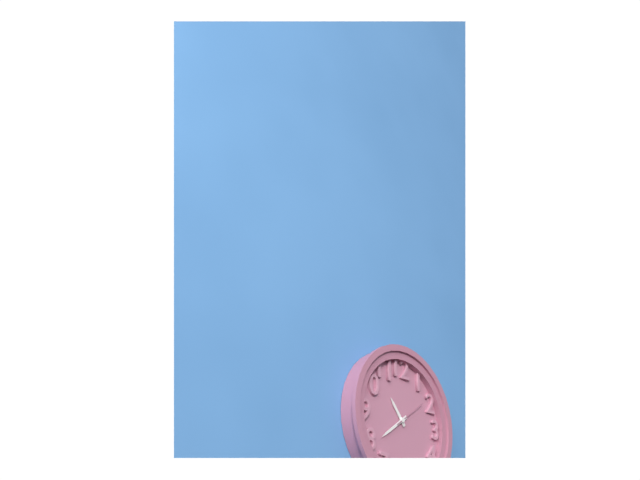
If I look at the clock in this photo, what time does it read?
10:39
